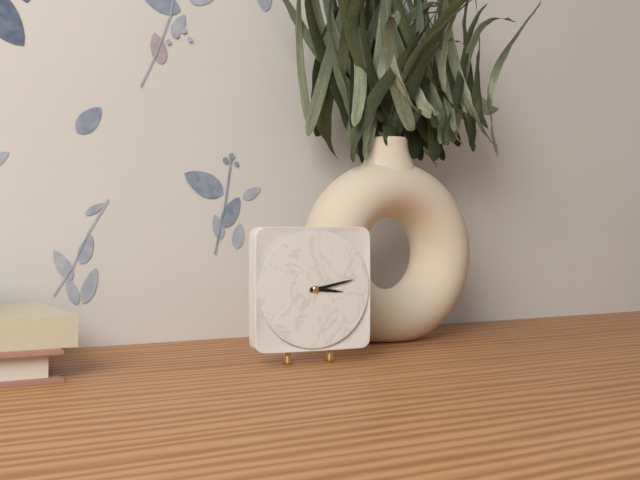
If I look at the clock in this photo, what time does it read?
3:13
